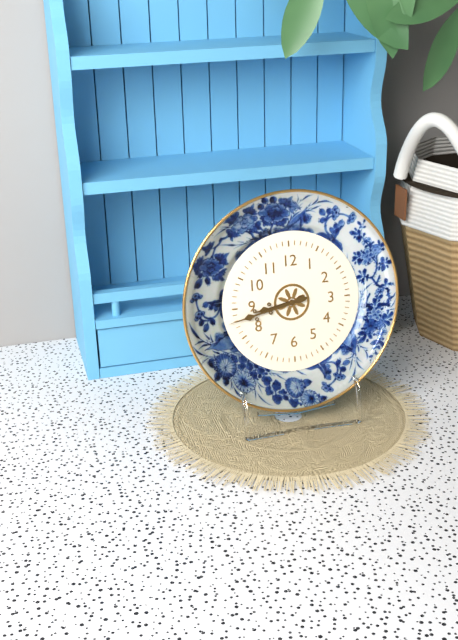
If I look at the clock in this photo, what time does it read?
8:43
